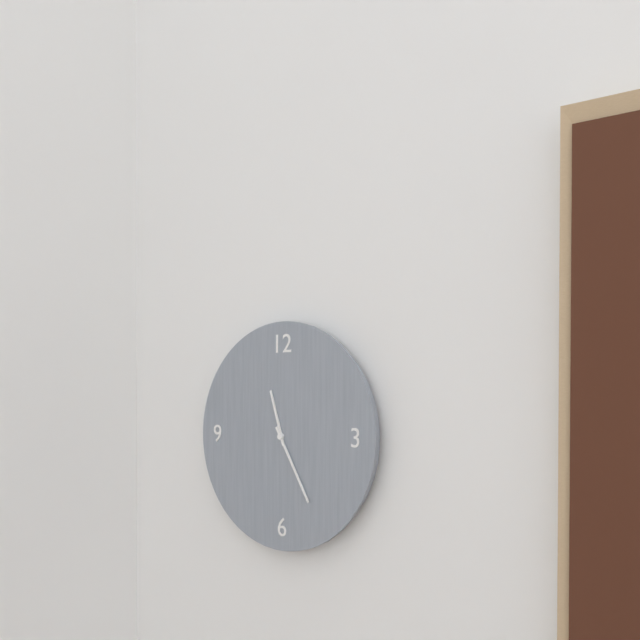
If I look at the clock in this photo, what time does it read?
11:25
